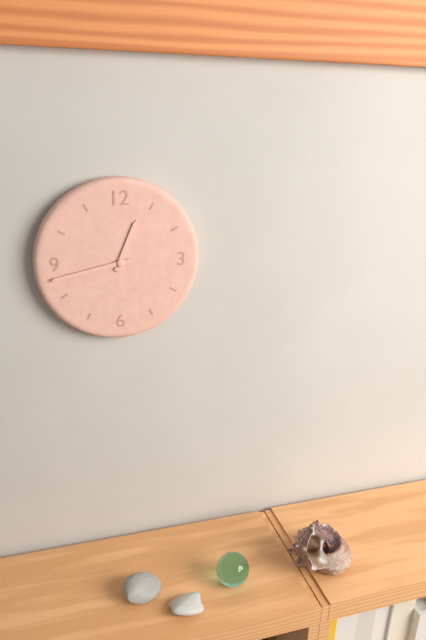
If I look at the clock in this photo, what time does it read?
12:43
